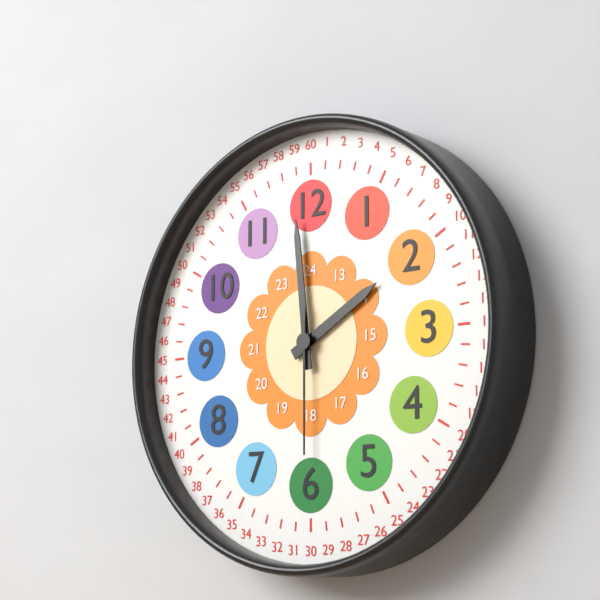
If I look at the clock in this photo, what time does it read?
1:59:30
